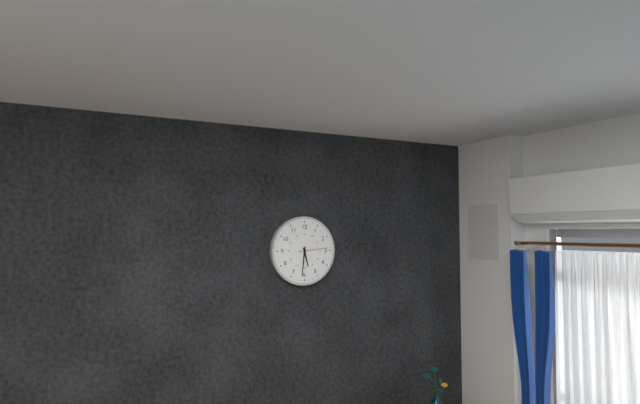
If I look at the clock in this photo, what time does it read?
5:31
